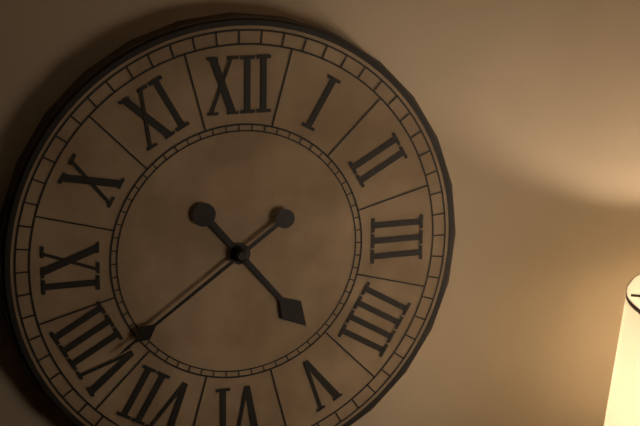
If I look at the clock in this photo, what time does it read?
4:39
